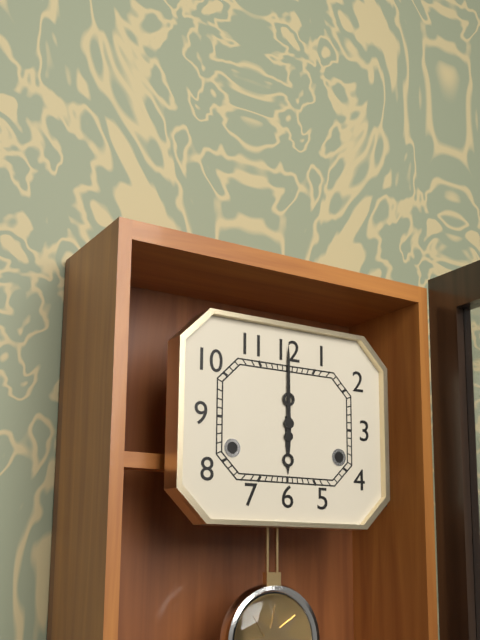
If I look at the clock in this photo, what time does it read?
6:00
